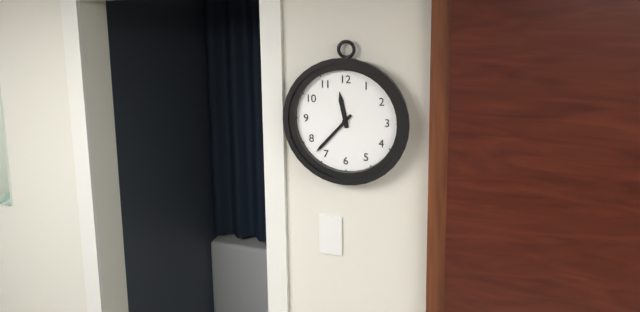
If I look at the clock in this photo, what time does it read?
11:37
